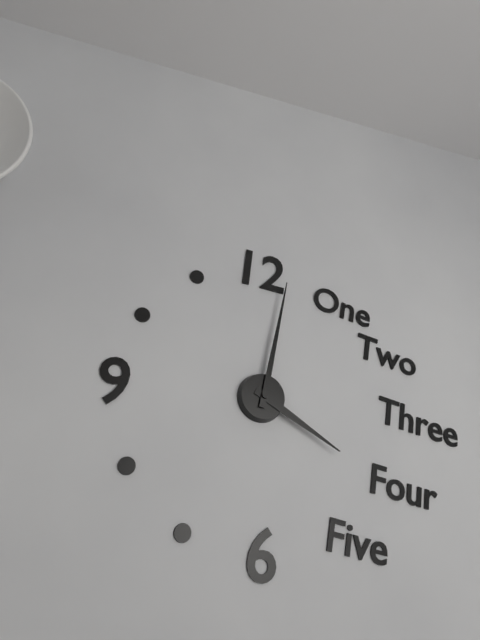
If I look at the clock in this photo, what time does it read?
4:02
